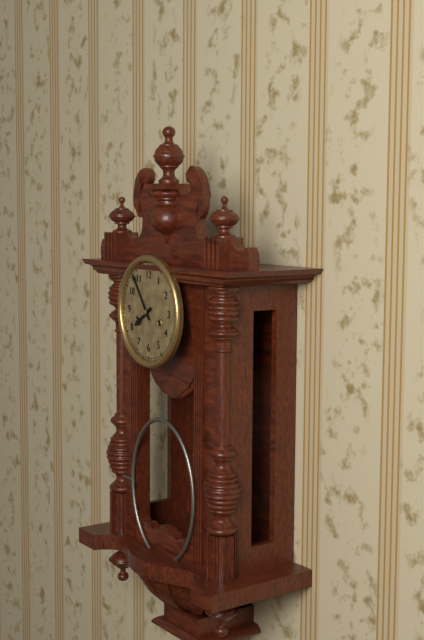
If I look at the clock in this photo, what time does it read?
7:54
